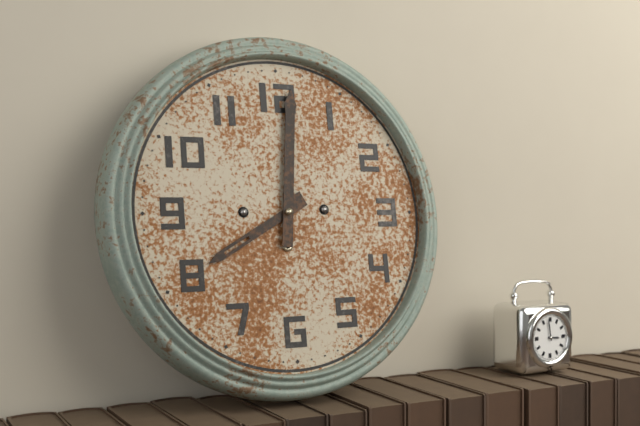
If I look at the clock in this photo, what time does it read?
8:01
